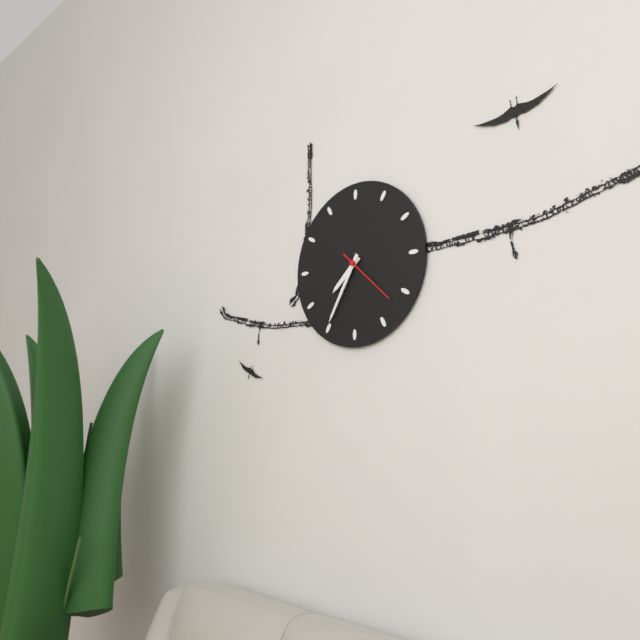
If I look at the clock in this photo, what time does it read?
7:35:22
